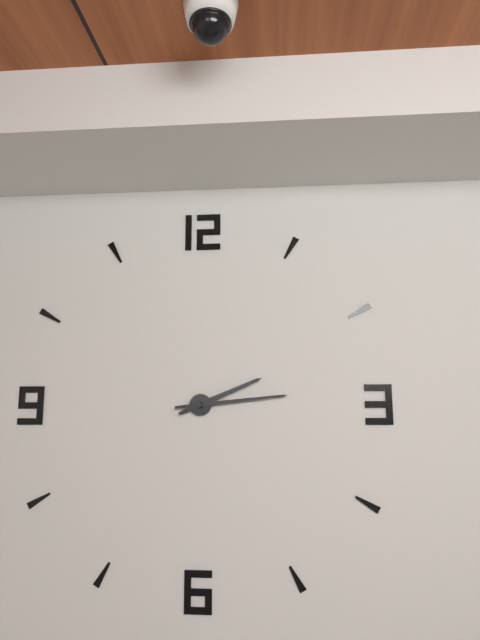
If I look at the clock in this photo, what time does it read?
2:14
